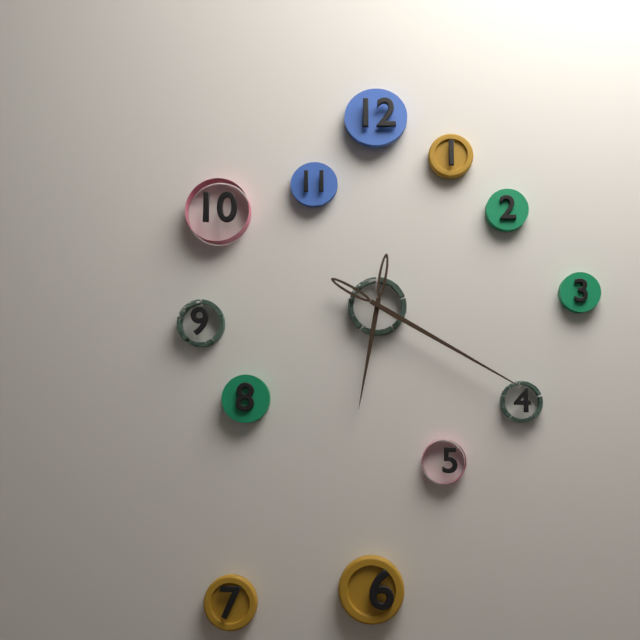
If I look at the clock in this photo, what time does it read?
6:20
